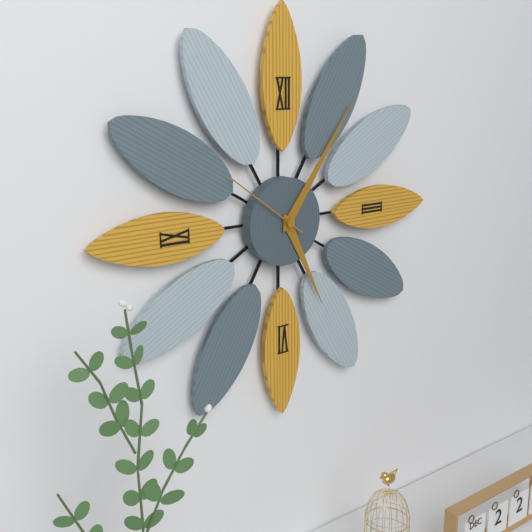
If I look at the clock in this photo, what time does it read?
5:06:51
